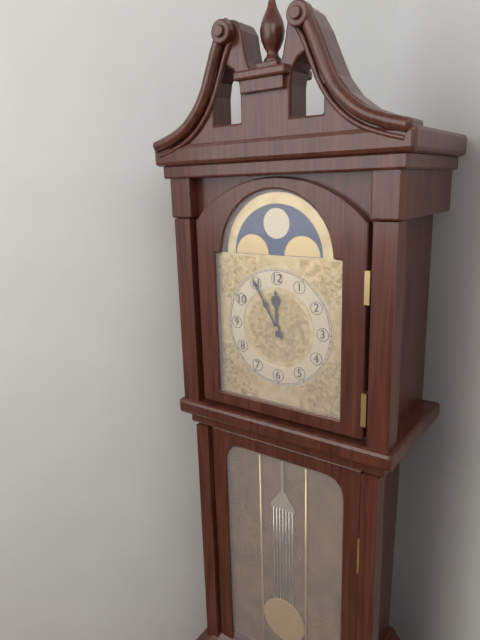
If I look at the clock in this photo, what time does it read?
11:55
